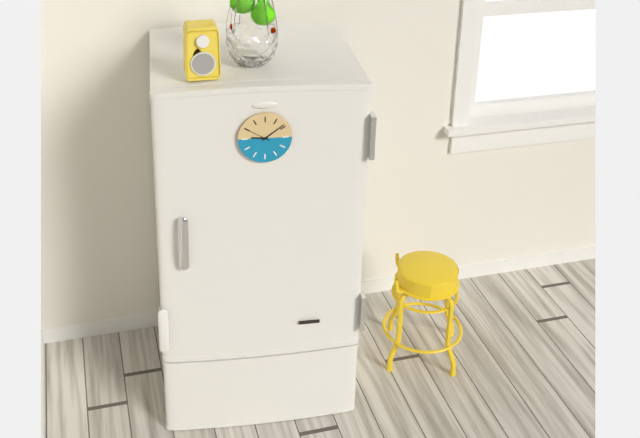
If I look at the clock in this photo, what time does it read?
9:09
